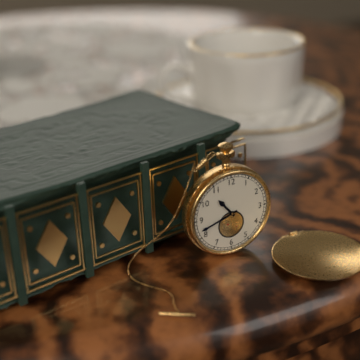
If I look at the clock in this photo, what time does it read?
10:42
